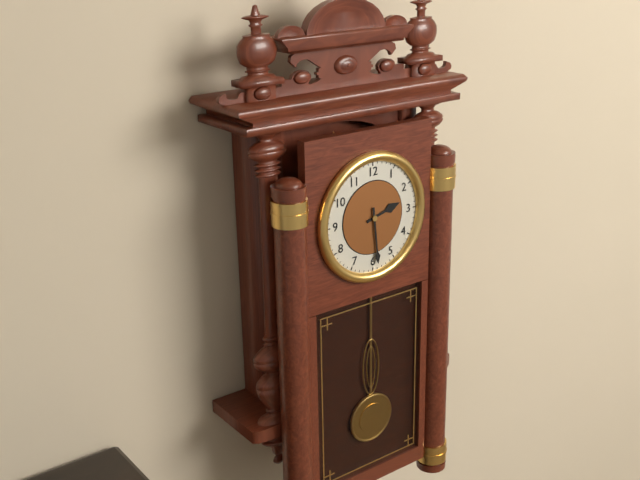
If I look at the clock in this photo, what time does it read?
2:29
